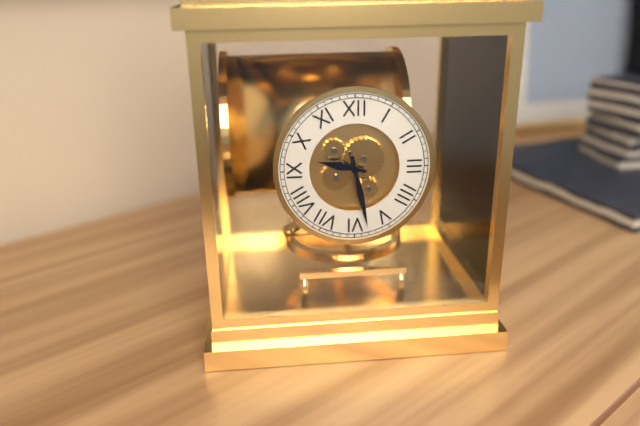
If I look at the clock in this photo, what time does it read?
9:28
